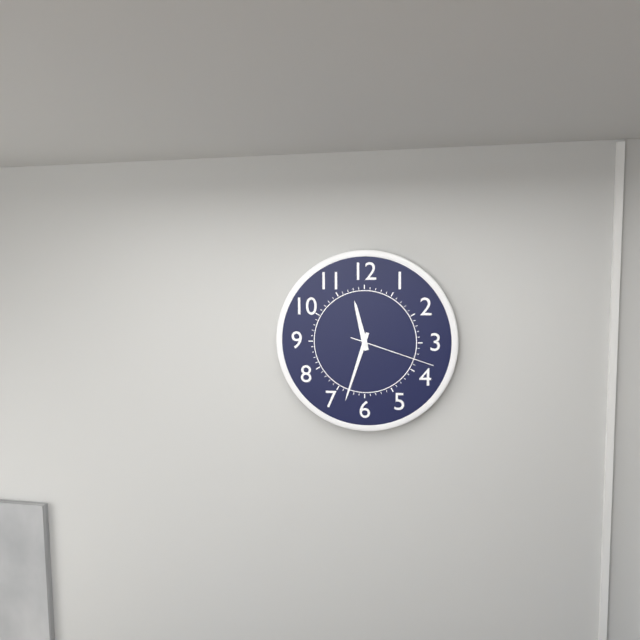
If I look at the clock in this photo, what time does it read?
11:33:18
